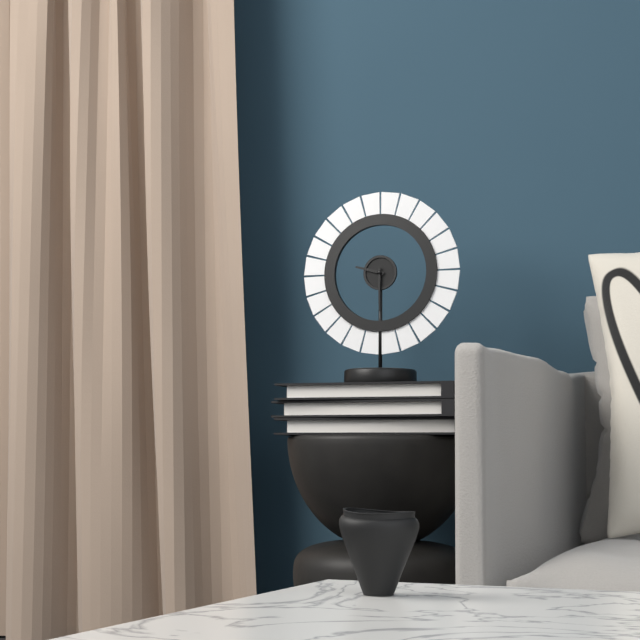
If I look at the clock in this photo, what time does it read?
9:30
